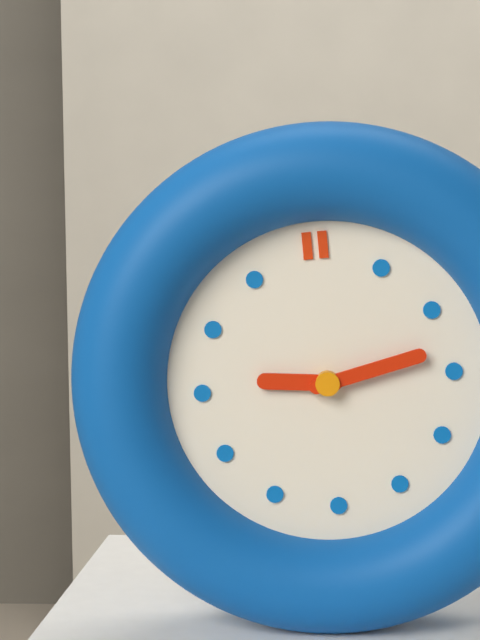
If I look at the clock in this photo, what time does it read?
9:13
